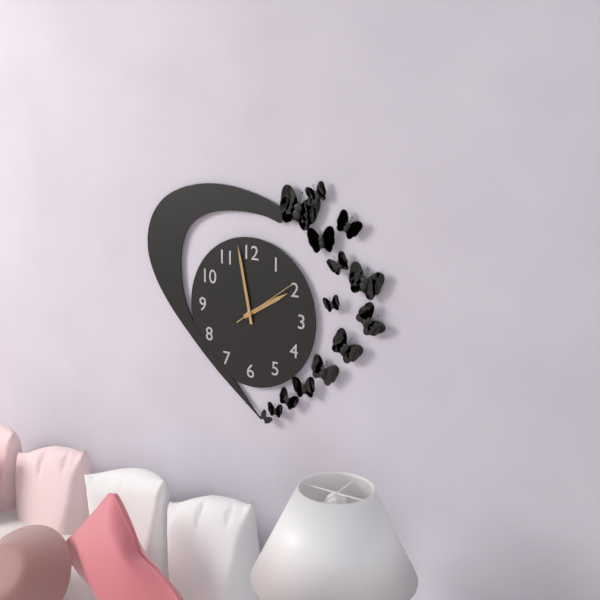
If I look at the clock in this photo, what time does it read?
1:58:09
